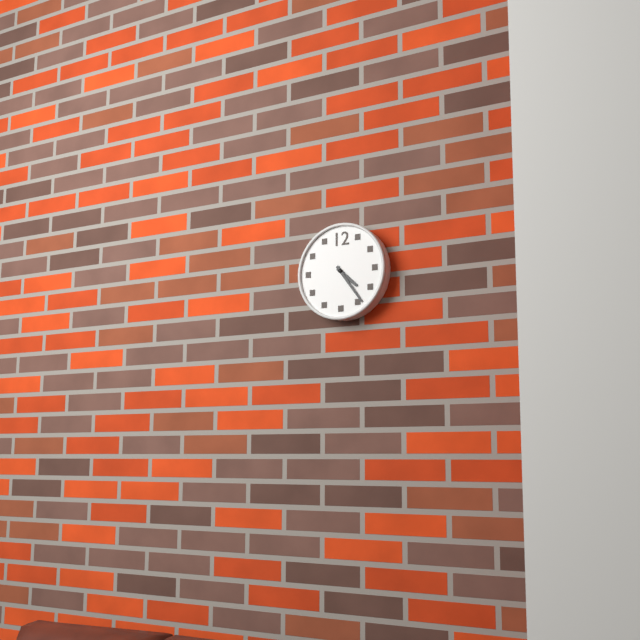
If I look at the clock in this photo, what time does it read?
4:24
